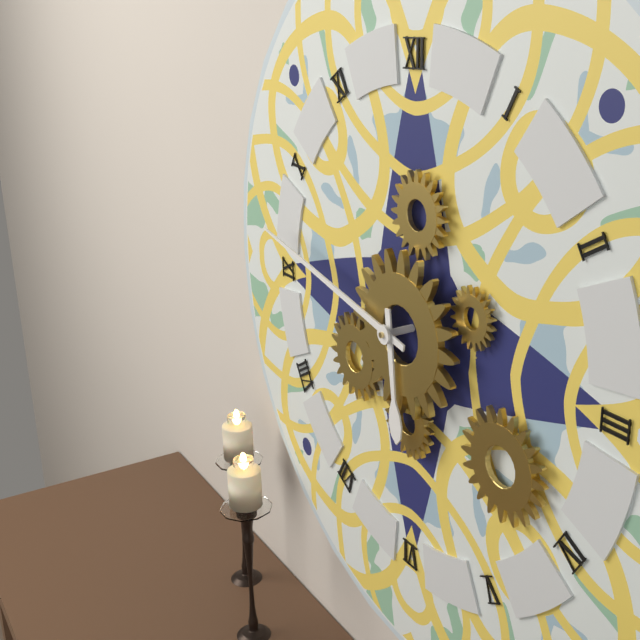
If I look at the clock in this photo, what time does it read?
5:47
